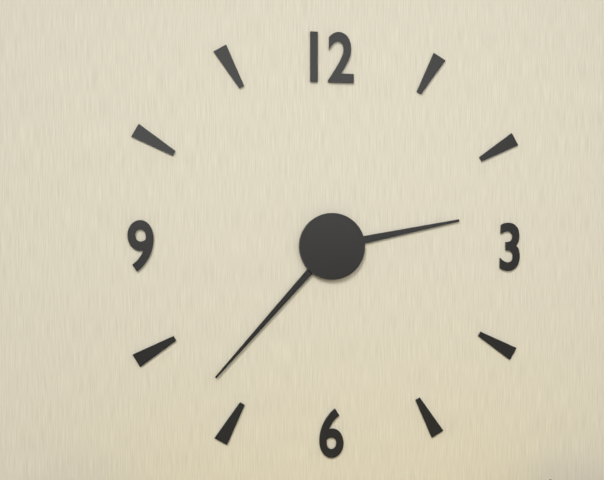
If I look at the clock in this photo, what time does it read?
2:37
